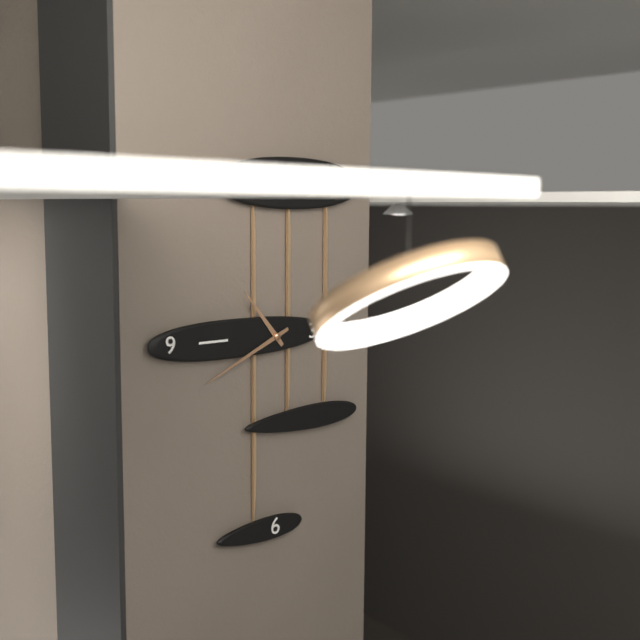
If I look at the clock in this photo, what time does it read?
10:41
